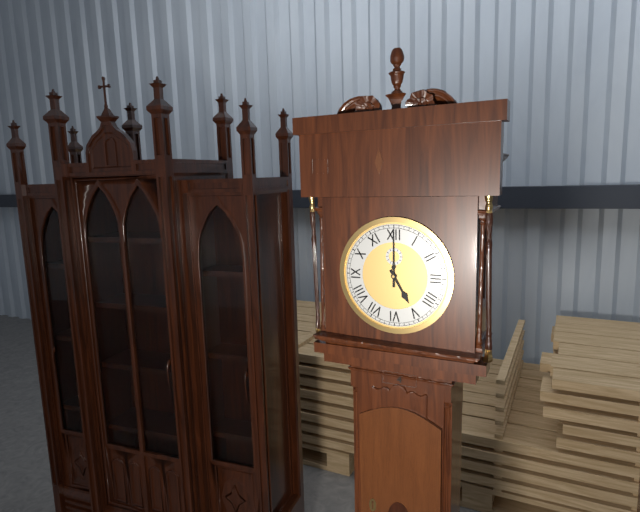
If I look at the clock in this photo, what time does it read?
5:00
